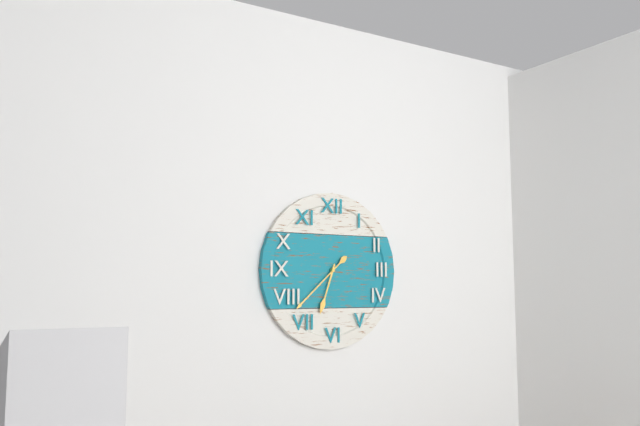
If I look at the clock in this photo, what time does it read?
6:38
